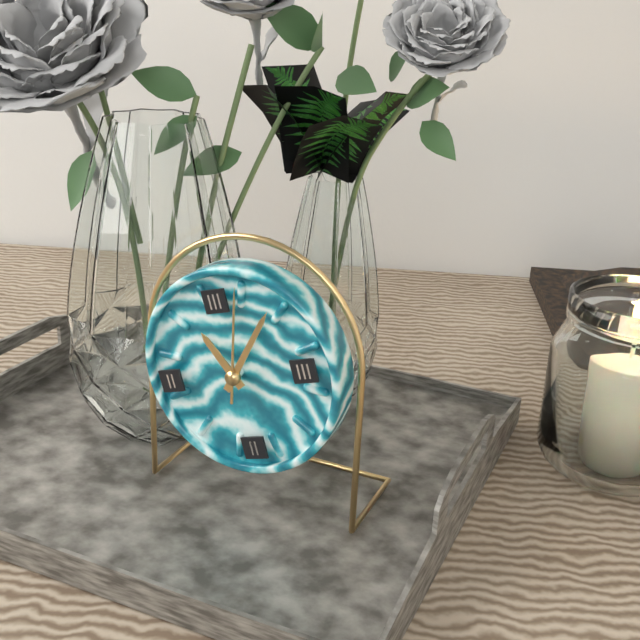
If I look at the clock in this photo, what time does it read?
11:07:03
